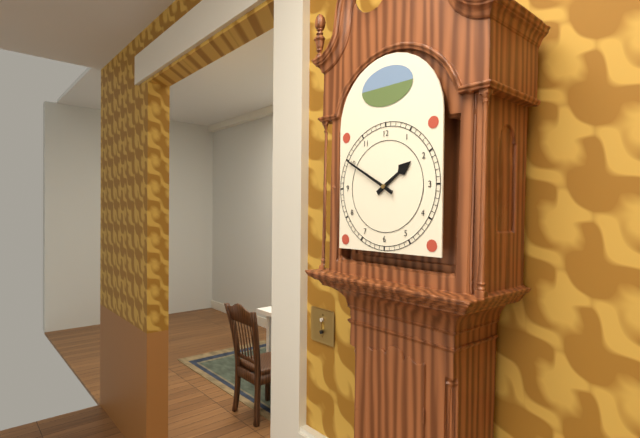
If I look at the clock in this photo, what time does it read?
1:50
